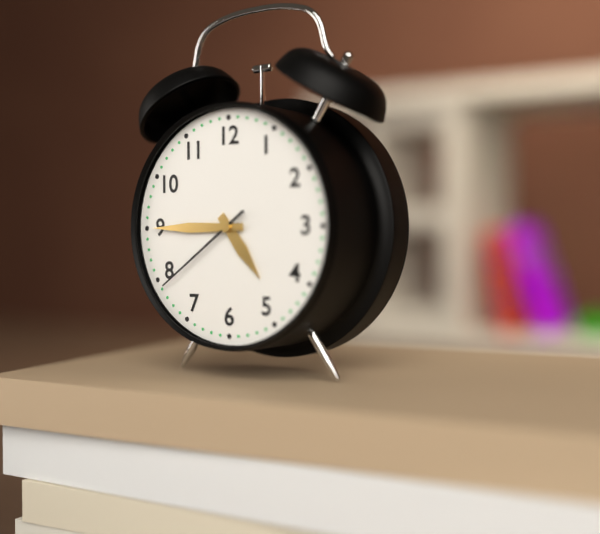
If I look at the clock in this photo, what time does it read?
4:45:39
